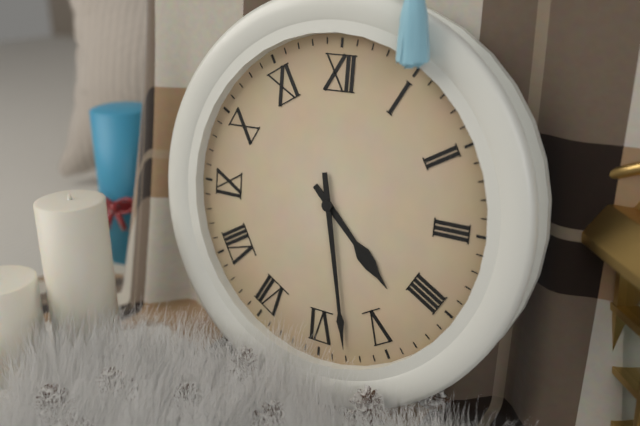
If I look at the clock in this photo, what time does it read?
4:28
